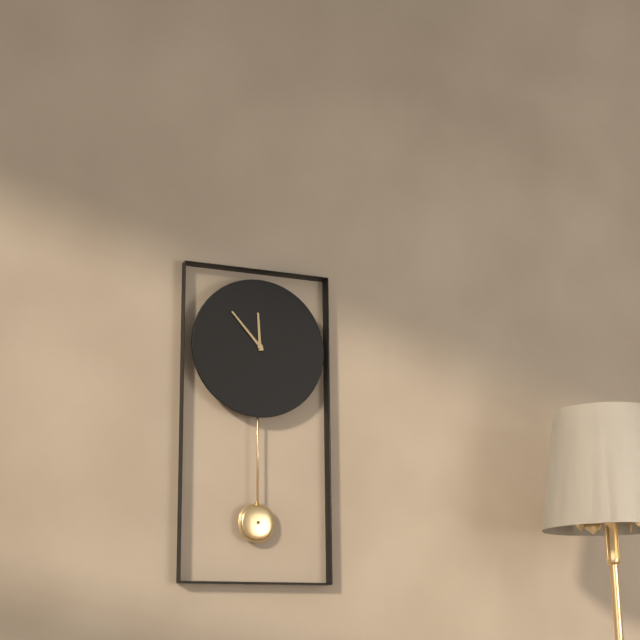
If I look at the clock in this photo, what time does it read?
11:53
